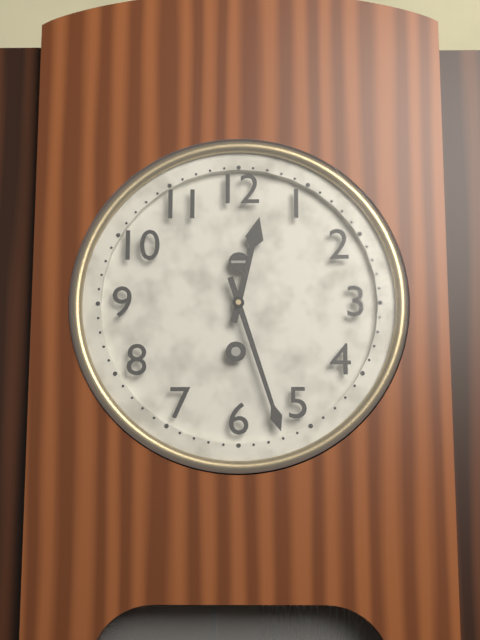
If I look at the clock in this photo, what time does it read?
12:27
